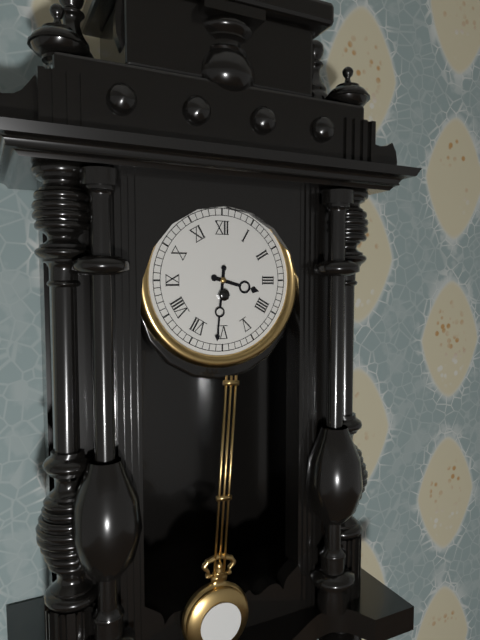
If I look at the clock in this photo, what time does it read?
3:31
